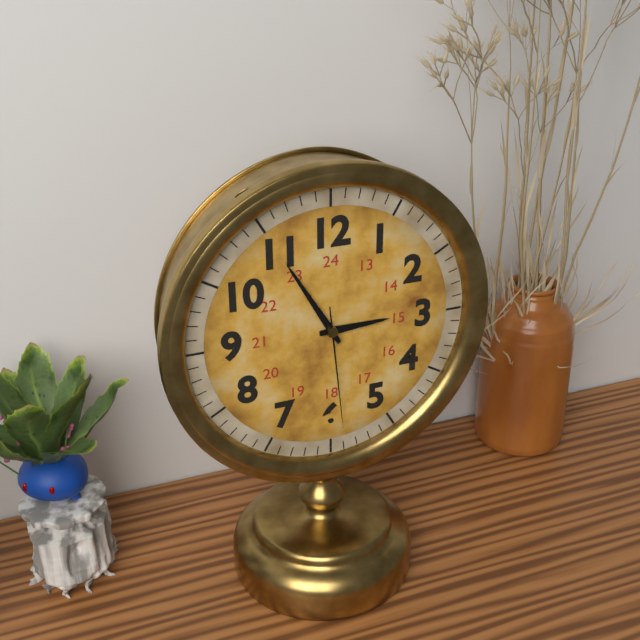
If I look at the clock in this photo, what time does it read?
2:55:29
